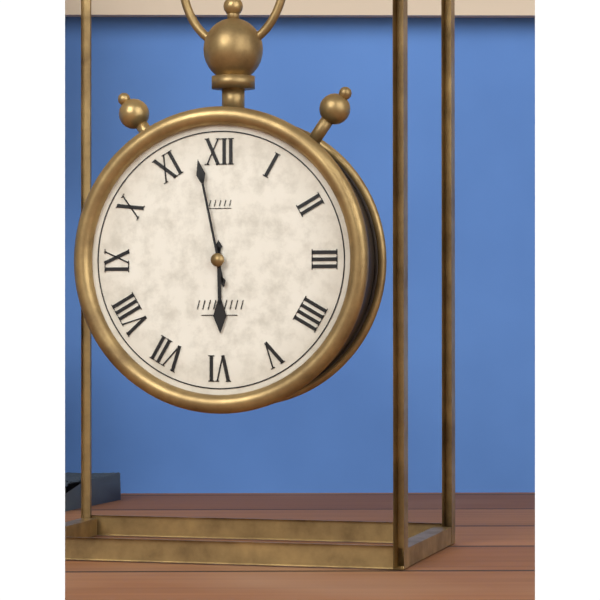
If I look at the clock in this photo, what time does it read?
5:58
